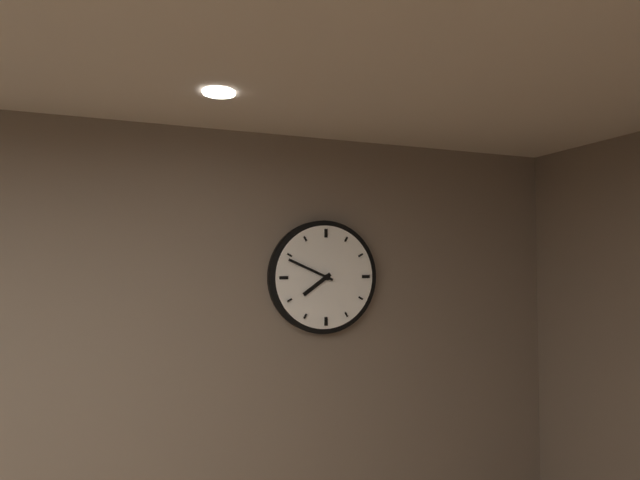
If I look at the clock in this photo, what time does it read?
7:49
